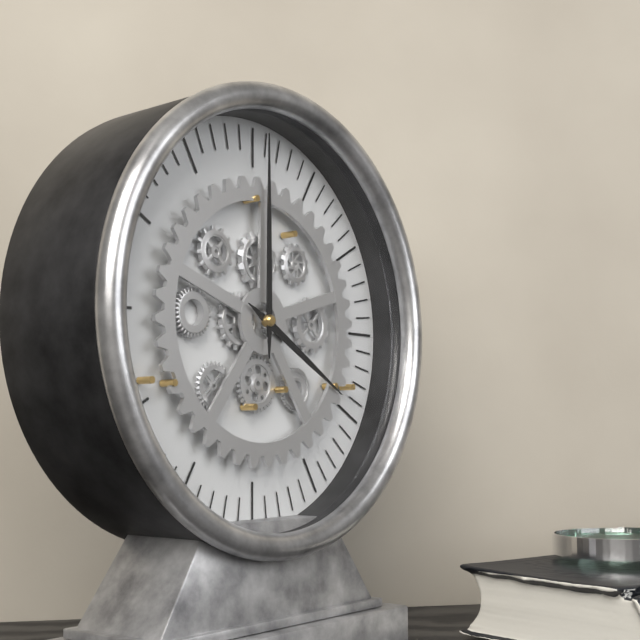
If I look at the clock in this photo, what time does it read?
4:00
